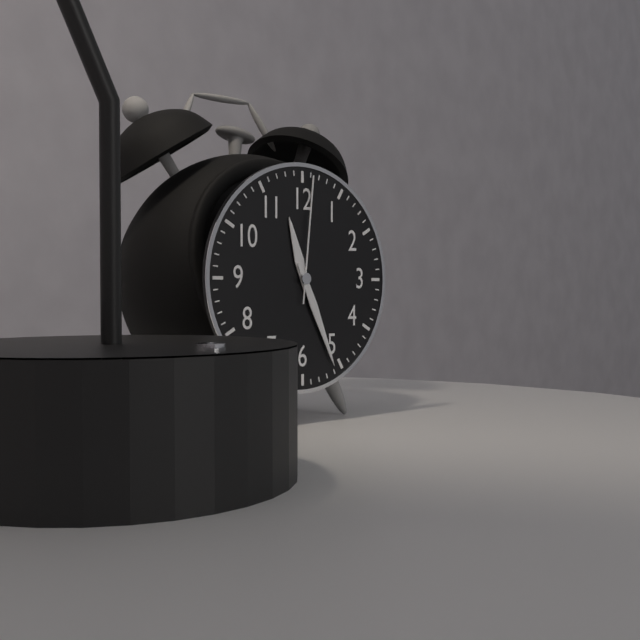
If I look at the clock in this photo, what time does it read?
11:26:01
